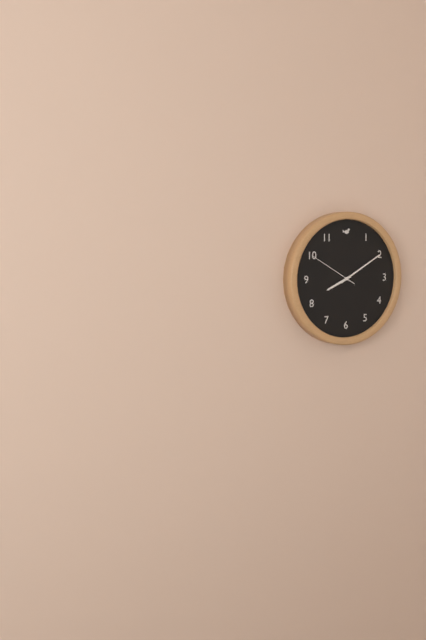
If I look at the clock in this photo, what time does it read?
8:10
